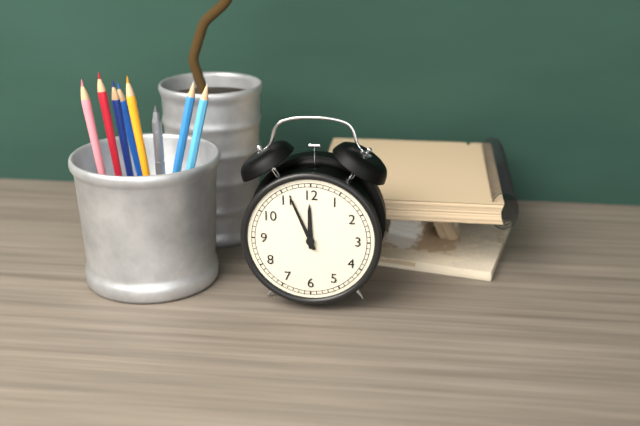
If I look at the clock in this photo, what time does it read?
11:56
